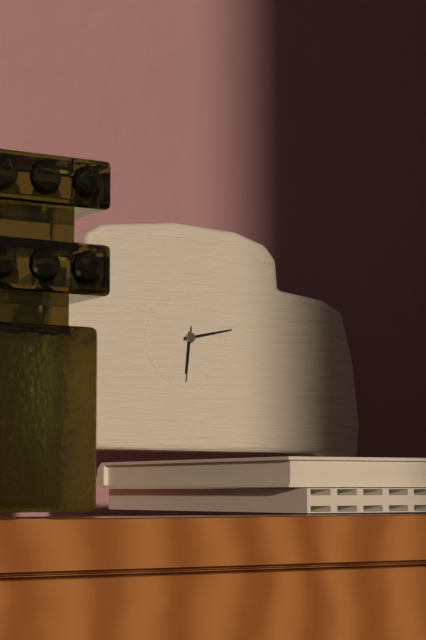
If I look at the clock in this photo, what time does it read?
6:13:31
